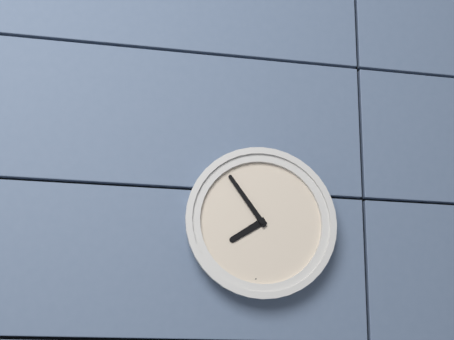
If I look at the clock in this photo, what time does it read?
7:54
